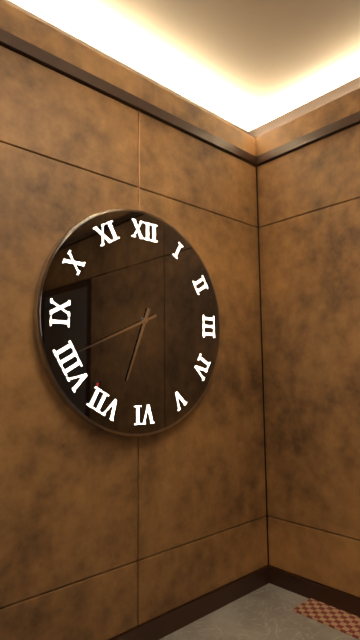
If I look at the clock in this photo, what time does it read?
6:41
